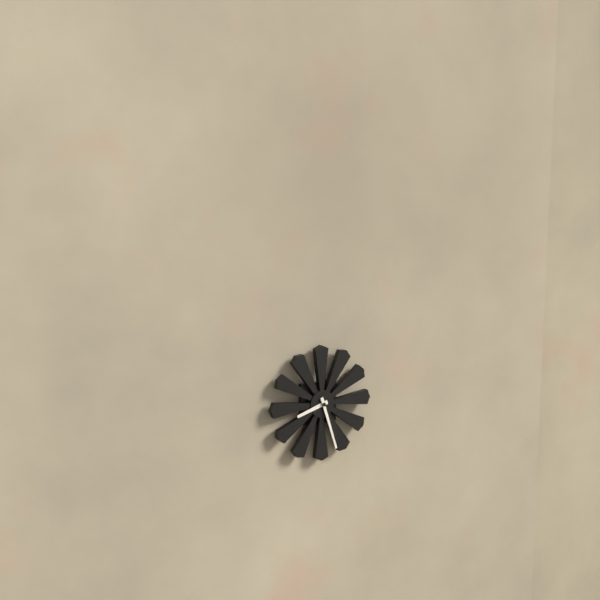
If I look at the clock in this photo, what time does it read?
8:27
